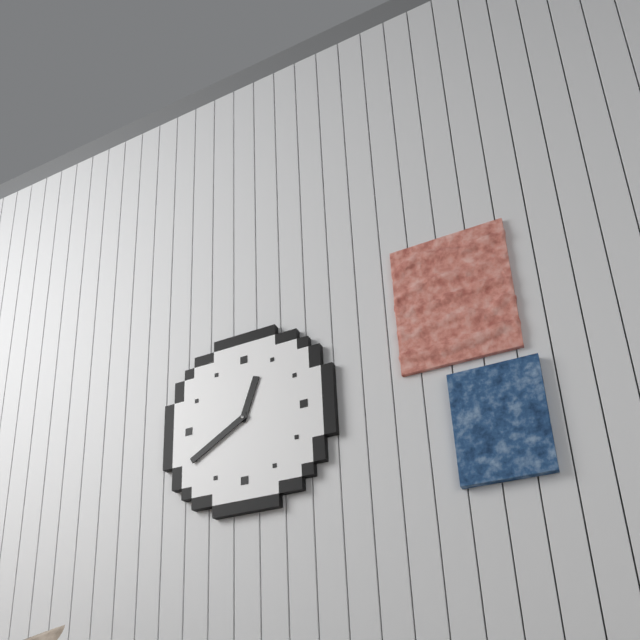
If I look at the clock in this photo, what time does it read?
12:40
